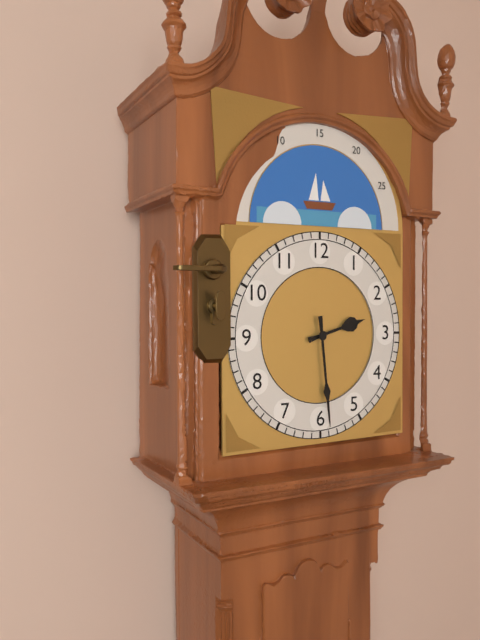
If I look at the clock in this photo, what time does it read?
2:29
